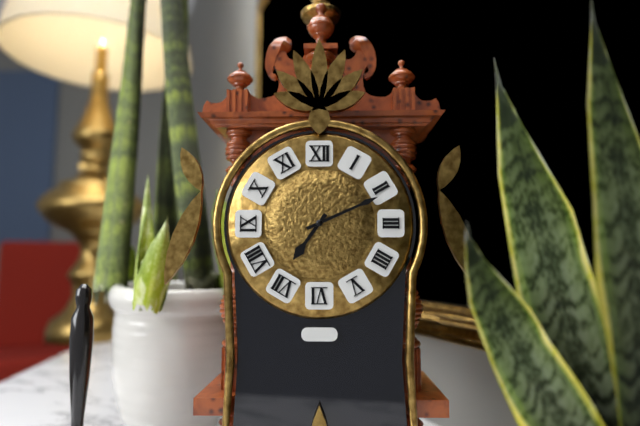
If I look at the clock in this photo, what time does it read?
7:11
